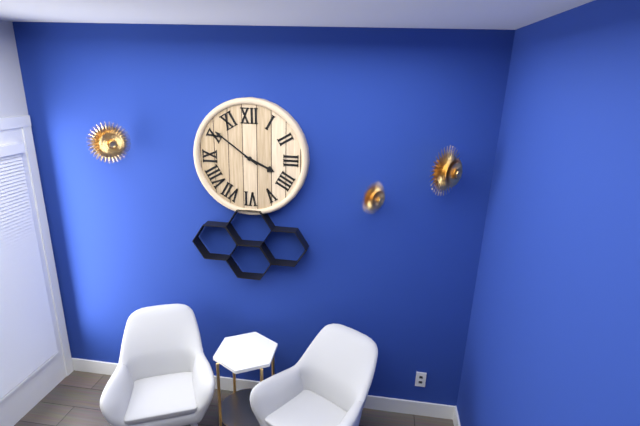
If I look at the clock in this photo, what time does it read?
3:51
